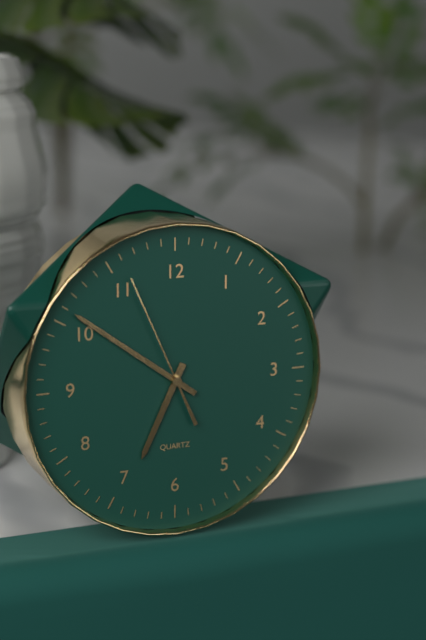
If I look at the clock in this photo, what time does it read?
6:51:56
